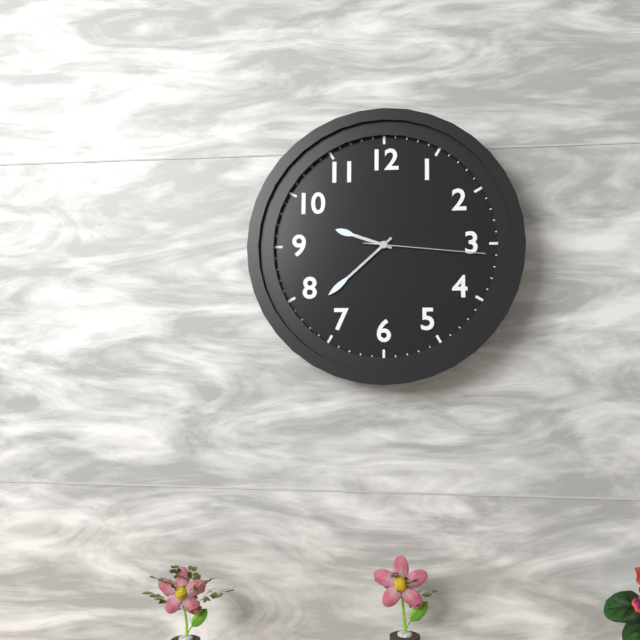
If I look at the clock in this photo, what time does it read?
9:38:16
